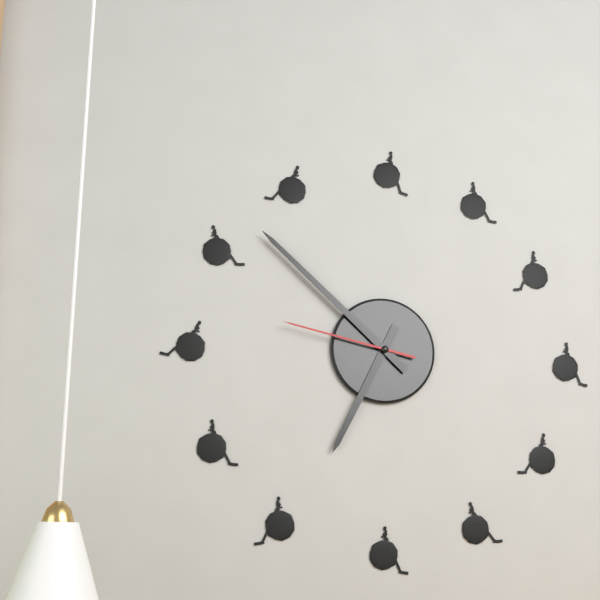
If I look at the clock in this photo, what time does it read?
6:52:47
